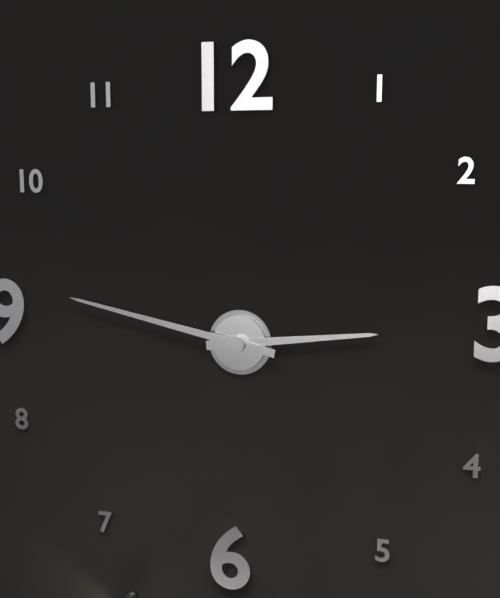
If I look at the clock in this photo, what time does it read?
2:47
